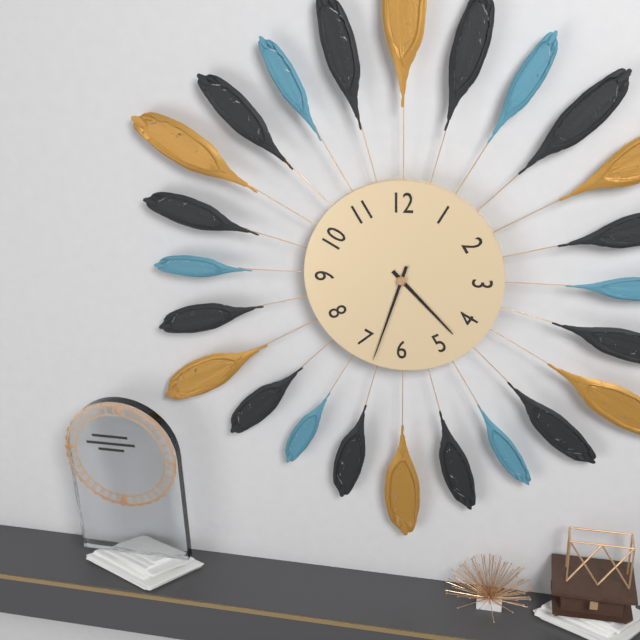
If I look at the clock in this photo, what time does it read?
4:33
